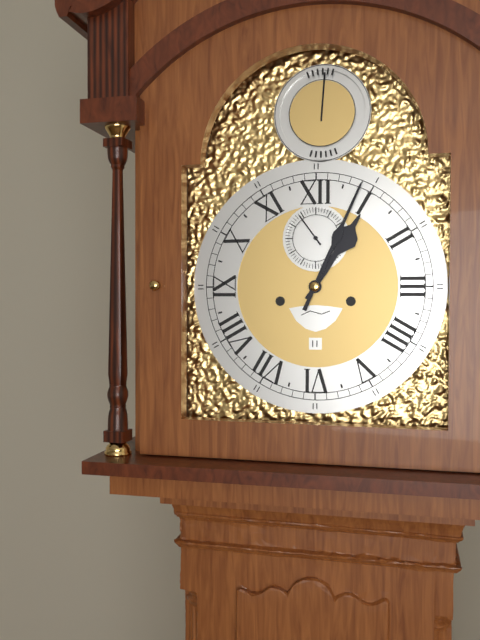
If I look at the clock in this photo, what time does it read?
1:04
